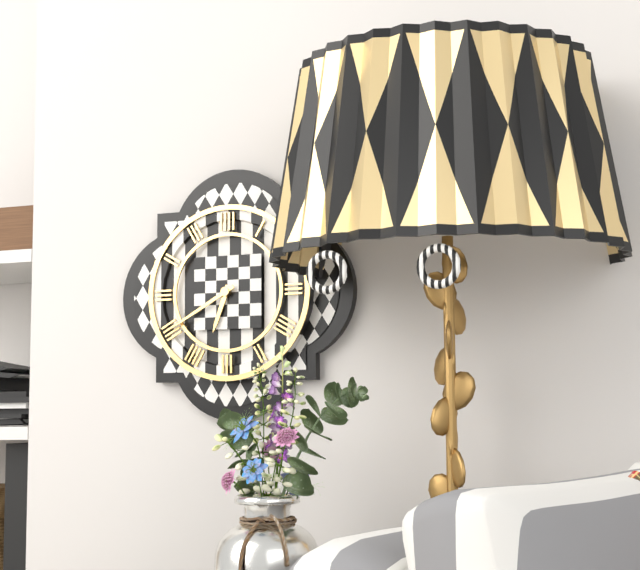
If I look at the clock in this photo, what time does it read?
6:40
